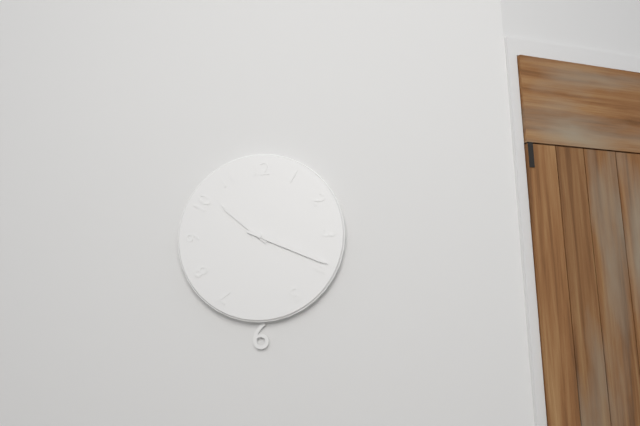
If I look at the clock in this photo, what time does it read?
10:19
